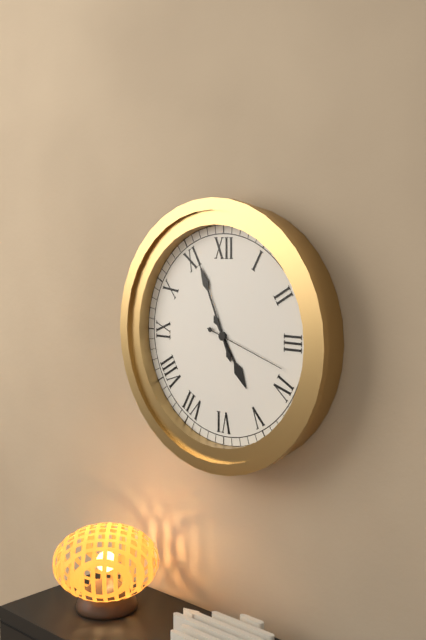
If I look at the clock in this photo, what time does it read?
4:56:18
